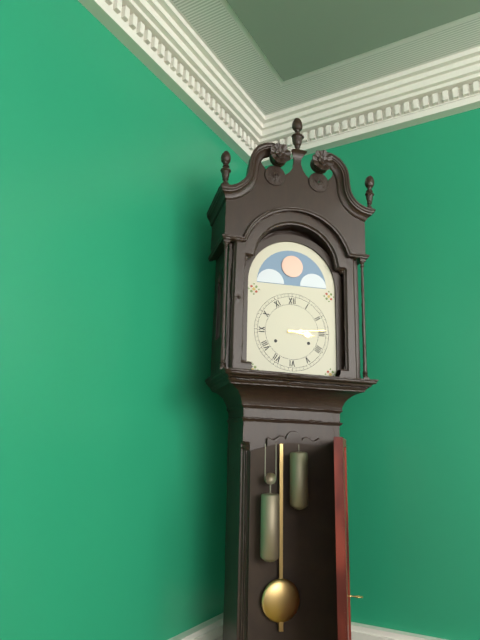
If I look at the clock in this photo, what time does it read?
3:14
